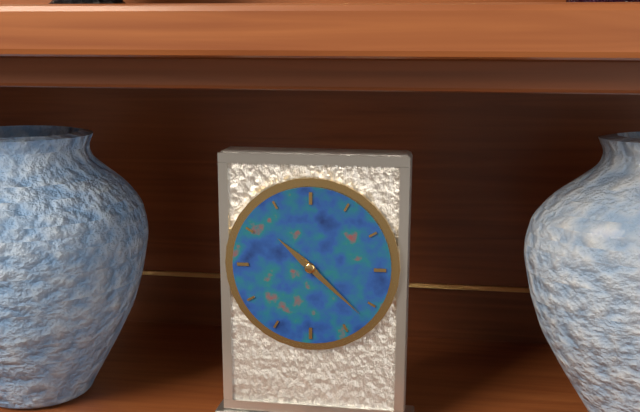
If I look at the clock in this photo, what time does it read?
10:22
